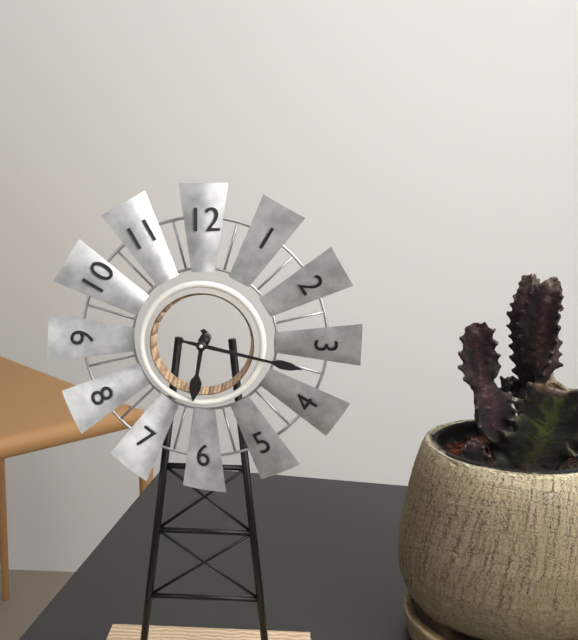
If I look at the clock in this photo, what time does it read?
6:17
